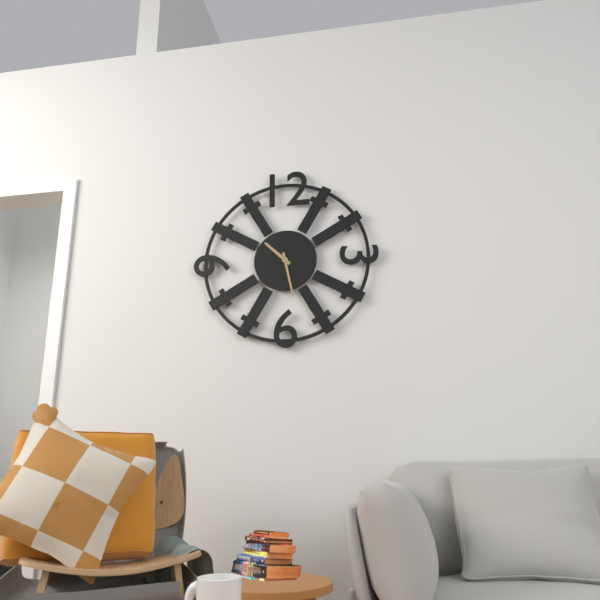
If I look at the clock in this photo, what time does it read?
10:28
